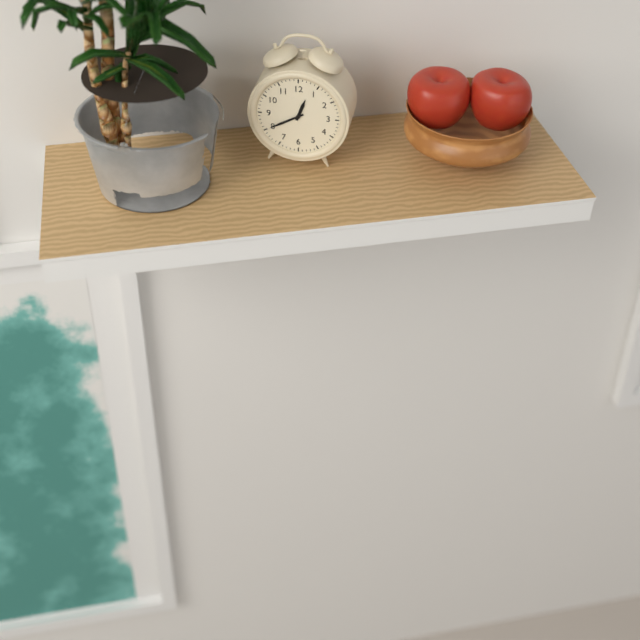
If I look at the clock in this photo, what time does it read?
12:40
